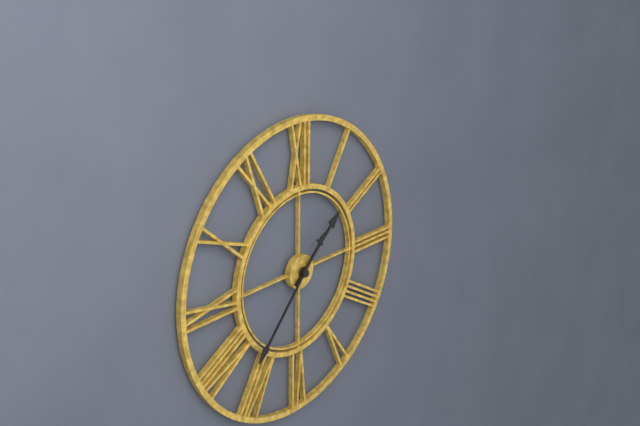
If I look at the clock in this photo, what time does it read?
1:37
